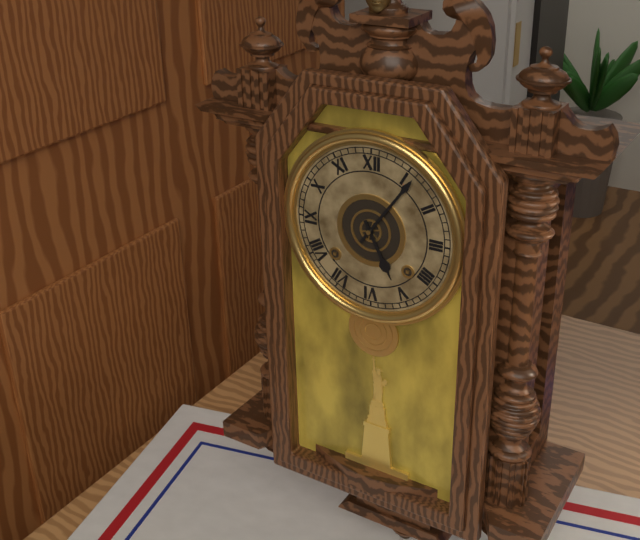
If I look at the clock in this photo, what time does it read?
5:06
